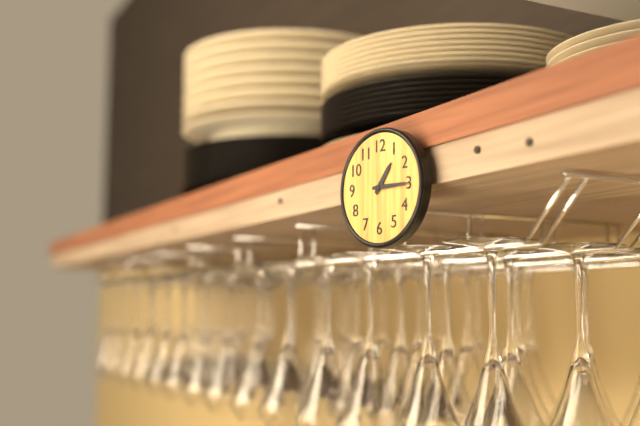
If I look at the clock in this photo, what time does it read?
1:15
